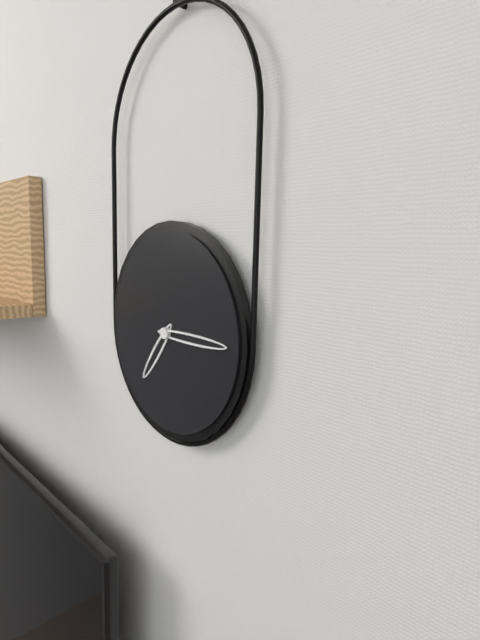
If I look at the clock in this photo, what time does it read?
7:15
